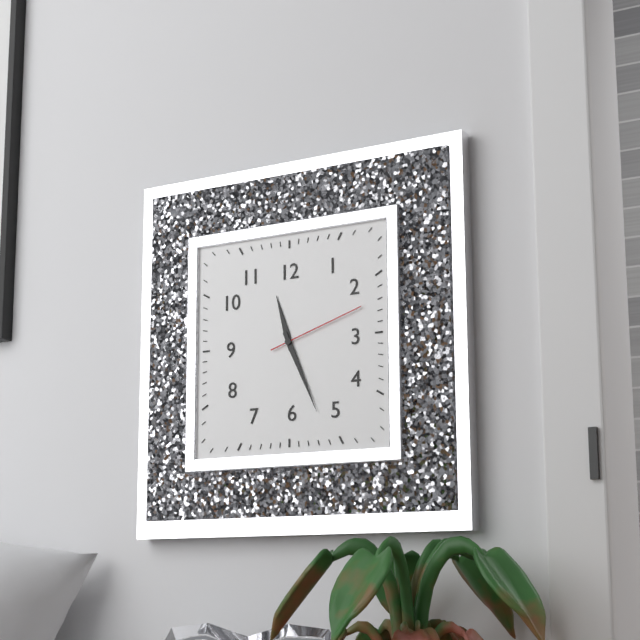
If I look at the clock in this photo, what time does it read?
11:26:12
